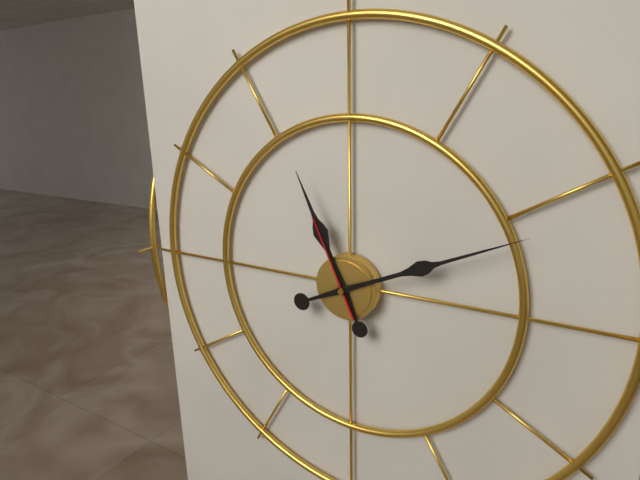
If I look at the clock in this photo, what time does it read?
11:11:56
